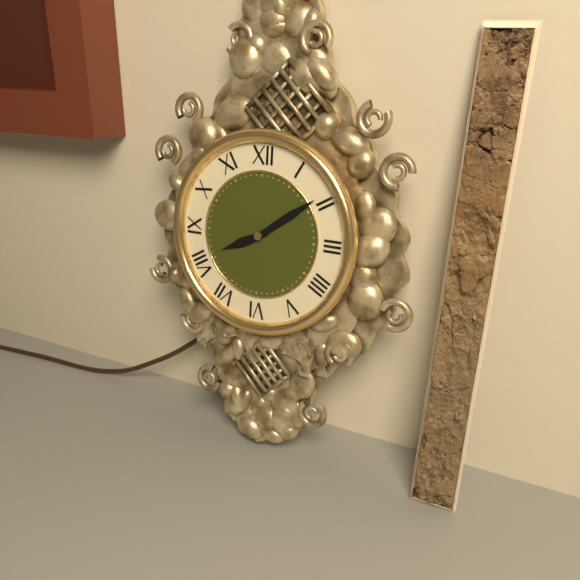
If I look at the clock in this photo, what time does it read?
8:09
